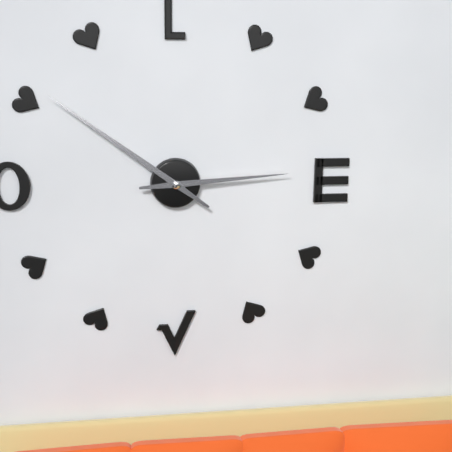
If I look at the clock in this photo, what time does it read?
2:51
